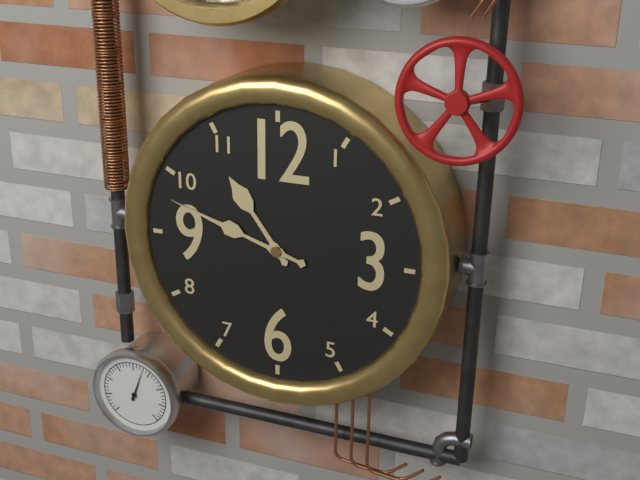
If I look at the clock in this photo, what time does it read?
10:48
